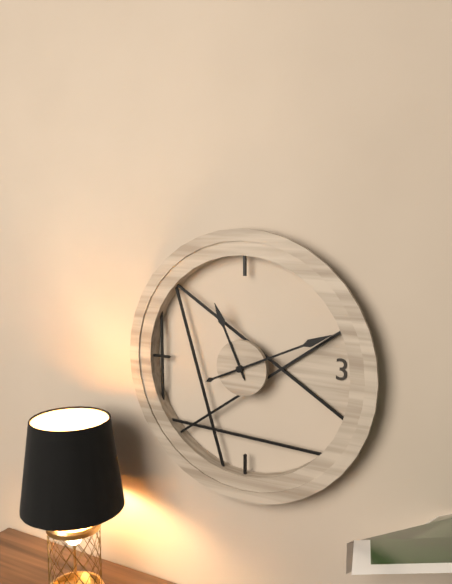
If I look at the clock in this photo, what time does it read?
11:11
